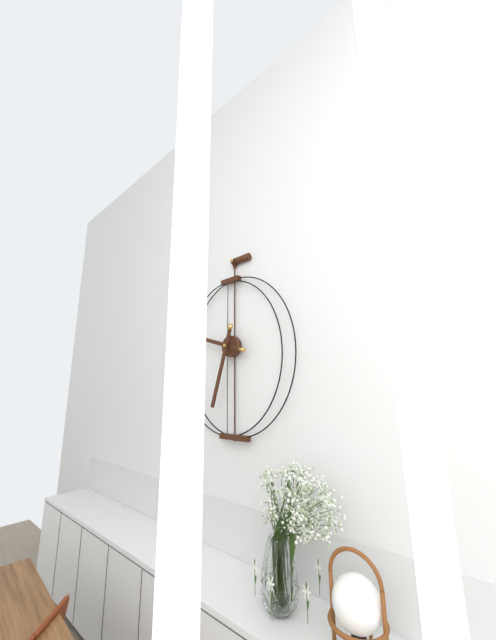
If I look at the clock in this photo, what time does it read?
9:33
